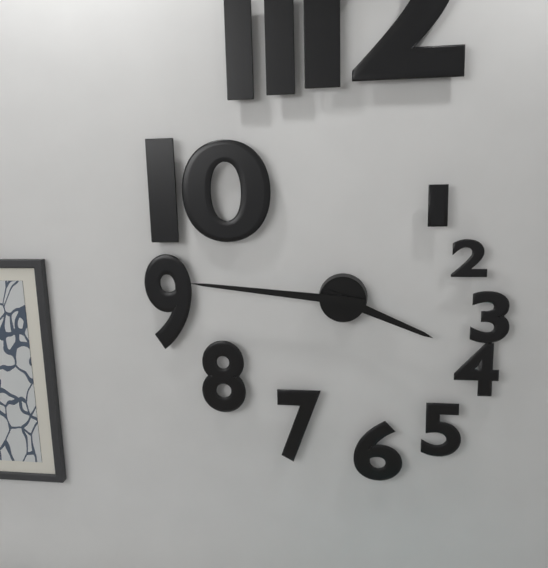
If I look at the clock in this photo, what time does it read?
3:46
